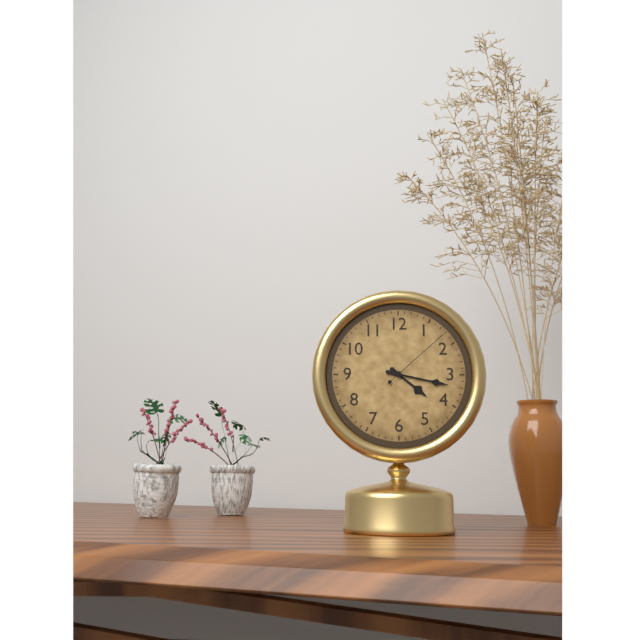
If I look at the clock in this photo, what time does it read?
4:17:08
